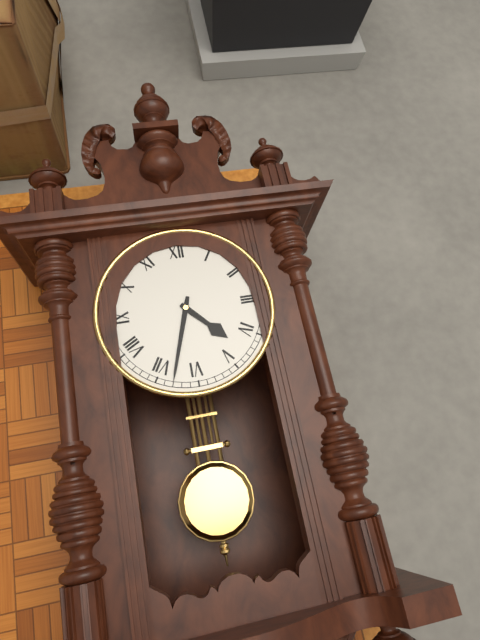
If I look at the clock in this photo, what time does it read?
4:33
